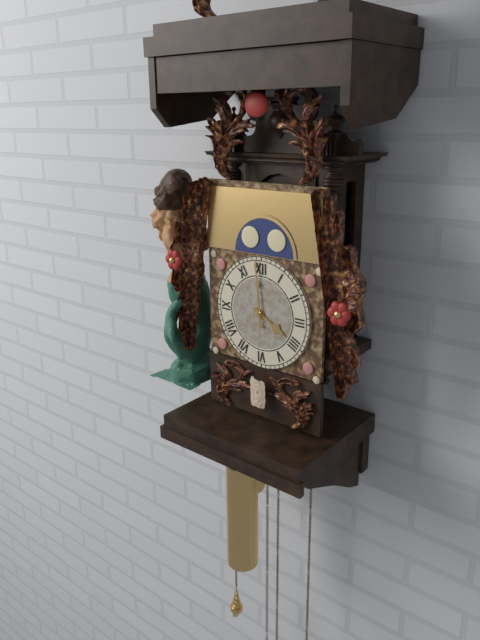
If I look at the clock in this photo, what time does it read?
3:59
